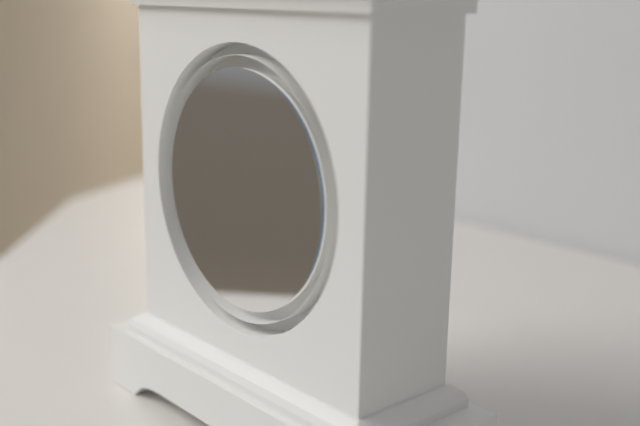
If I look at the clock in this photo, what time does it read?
3:26
